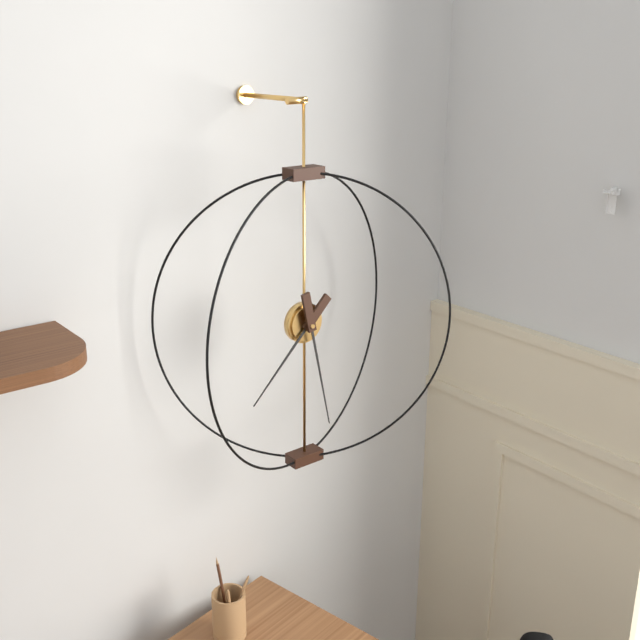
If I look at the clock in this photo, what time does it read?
7:28
